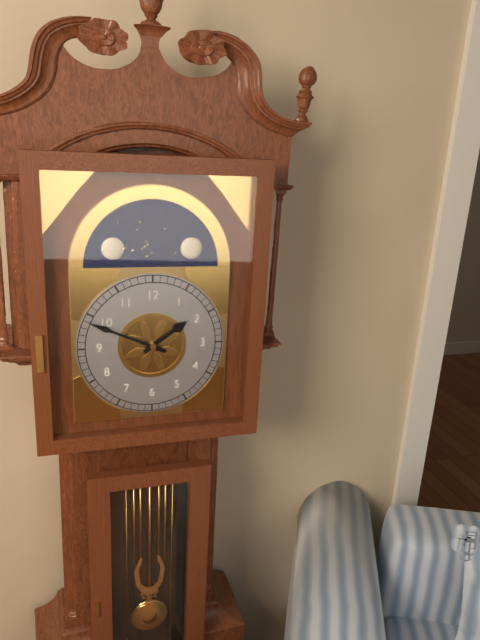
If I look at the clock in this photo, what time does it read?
1:49
